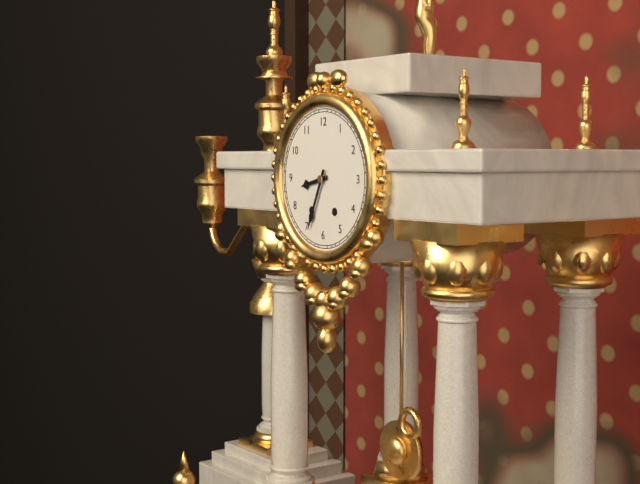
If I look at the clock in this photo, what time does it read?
8:34
